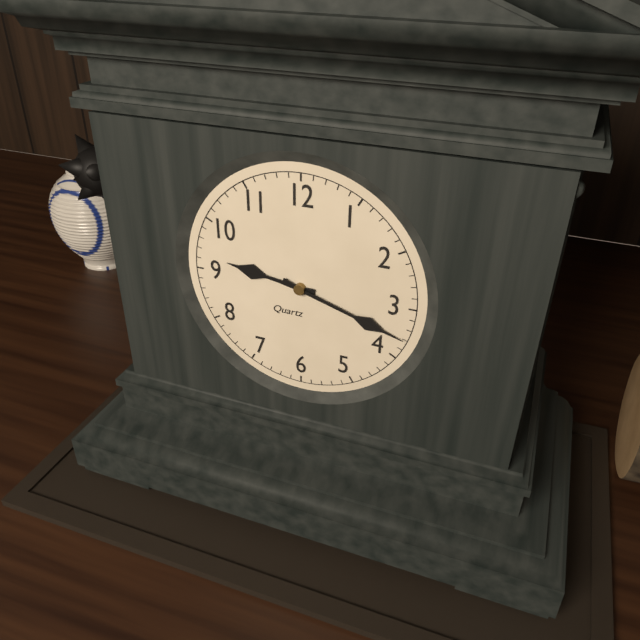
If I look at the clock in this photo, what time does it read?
9:18
